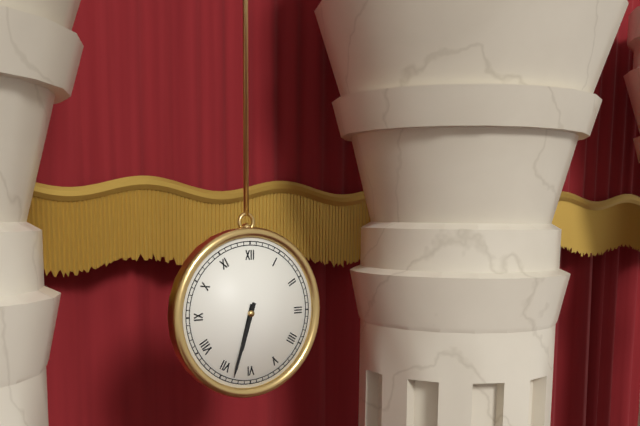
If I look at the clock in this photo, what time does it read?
6:33
